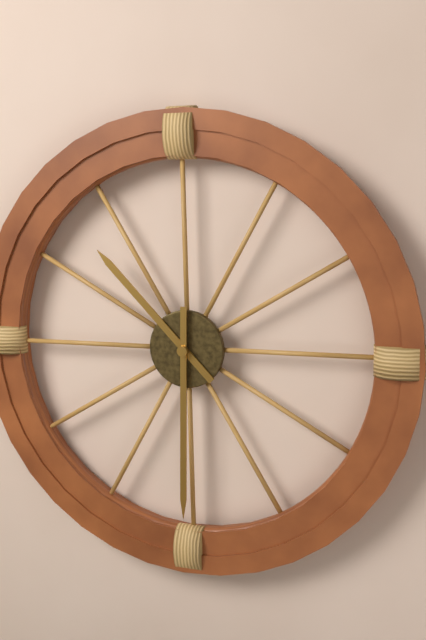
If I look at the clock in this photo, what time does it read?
10:30
